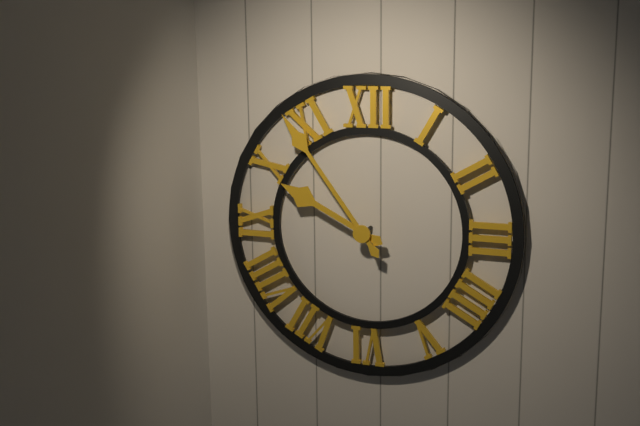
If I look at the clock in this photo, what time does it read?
9:54
